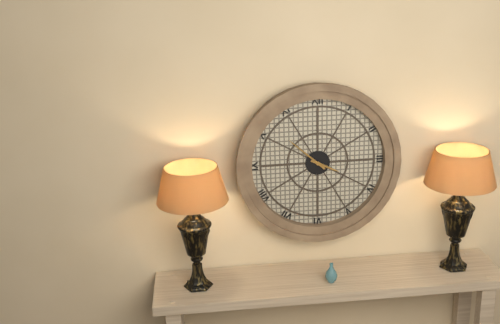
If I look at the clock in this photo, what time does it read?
3:52
